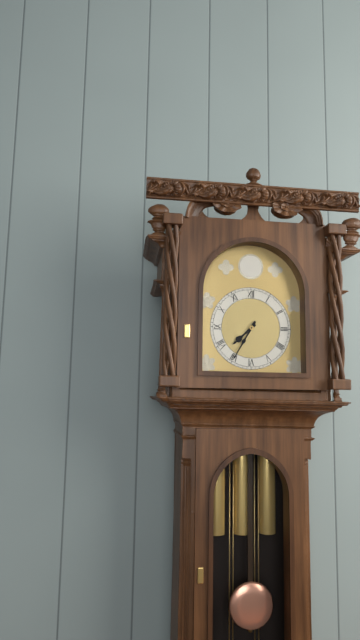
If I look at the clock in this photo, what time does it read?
7:35
